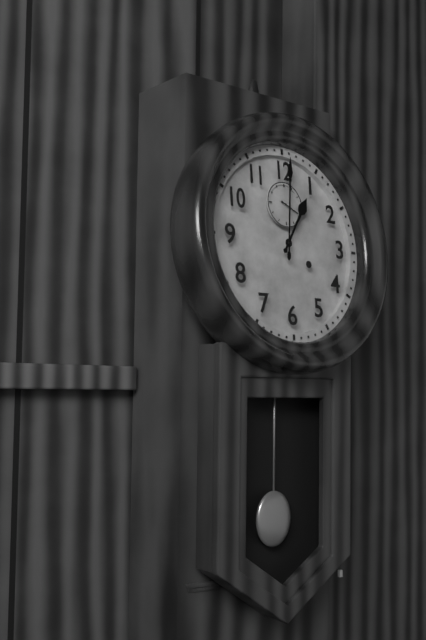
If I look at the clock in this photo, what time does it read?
1:01
